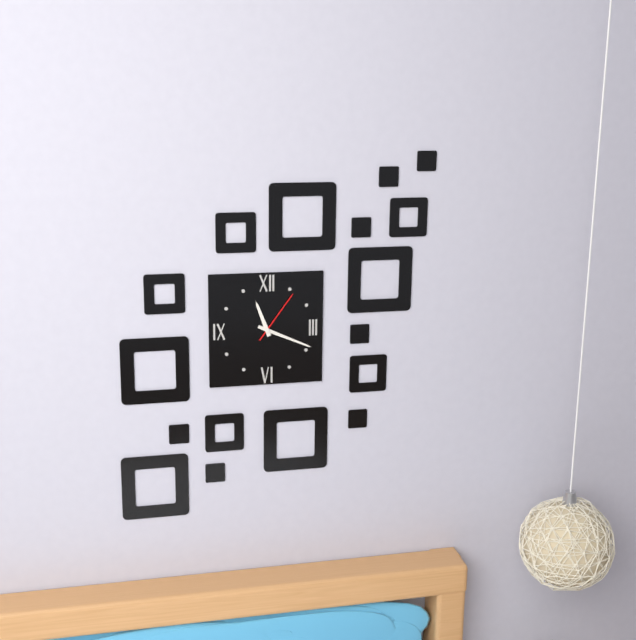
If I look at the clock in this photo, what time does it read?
11:19:06
